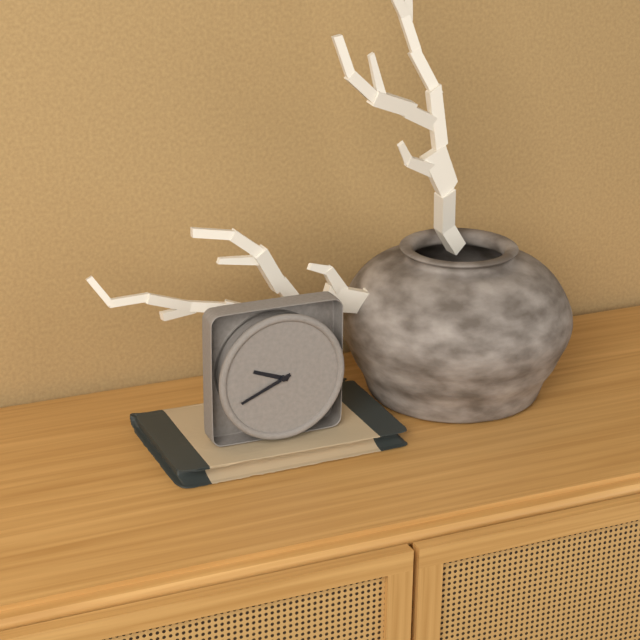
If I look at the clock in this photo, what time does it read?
9:41
